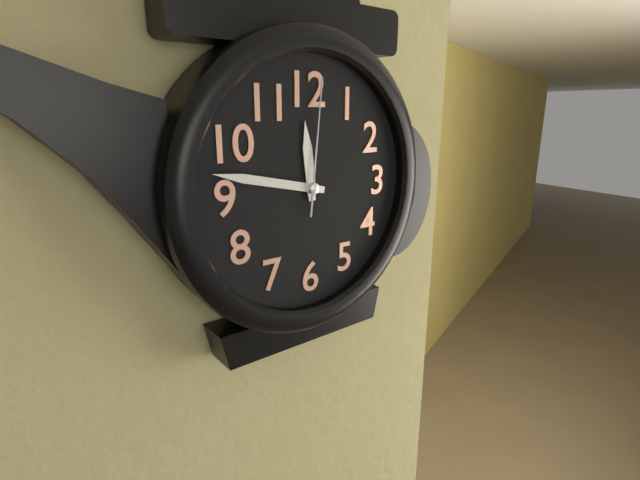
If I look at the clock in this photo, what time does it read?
11:47:01
